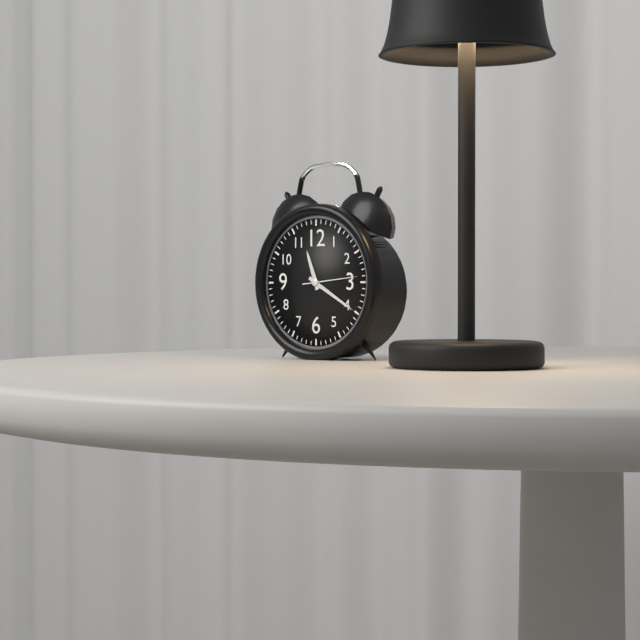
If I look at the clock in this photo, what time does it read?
11:20:14
